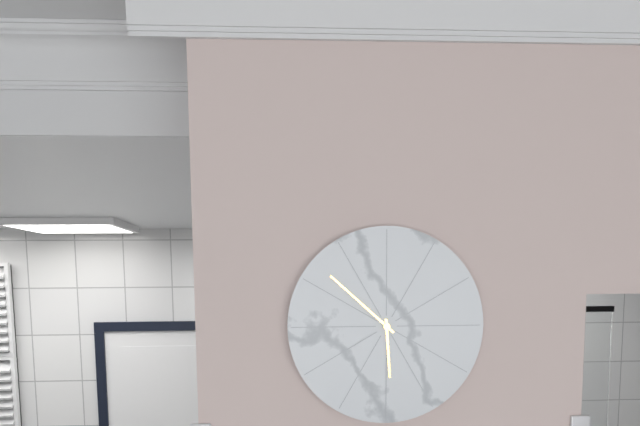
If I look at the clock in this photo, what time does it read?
5:52
